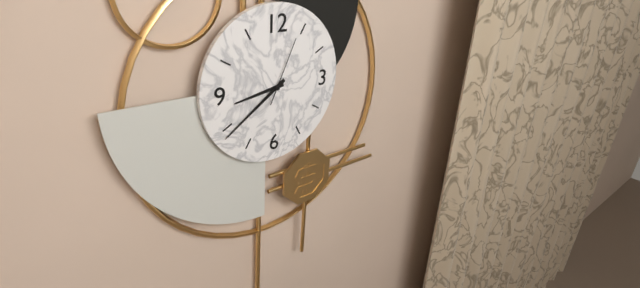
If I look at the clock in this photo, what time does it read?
8:39:04
